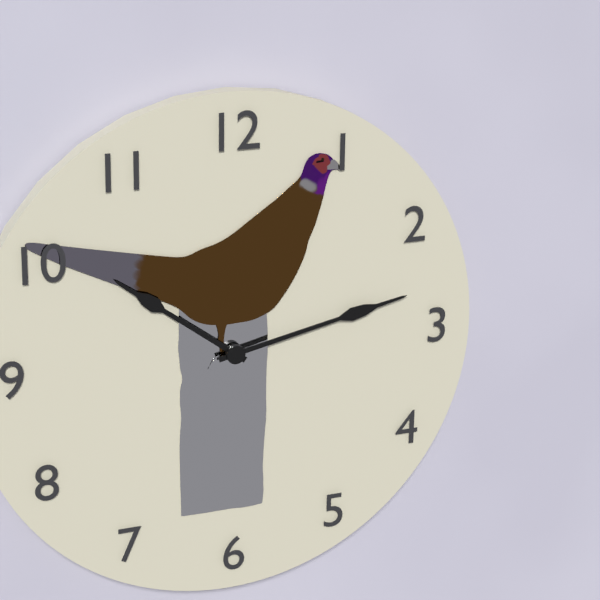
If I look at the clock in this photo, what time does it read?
10:13
